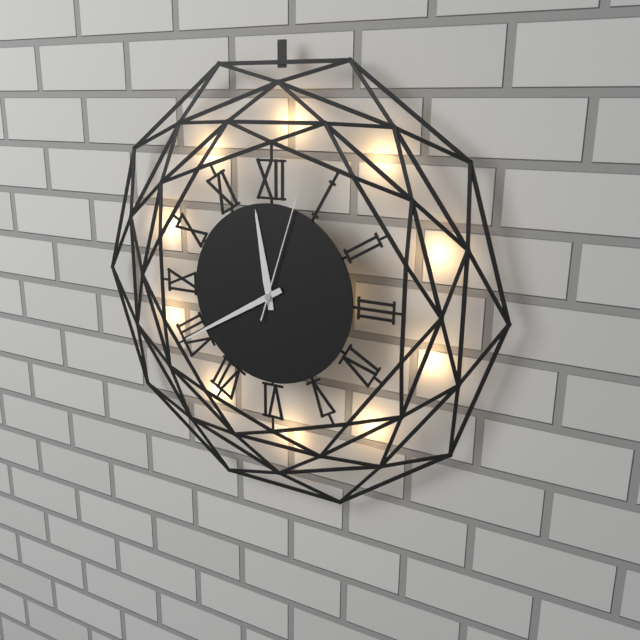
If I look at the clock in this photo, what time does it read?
11:40:03
